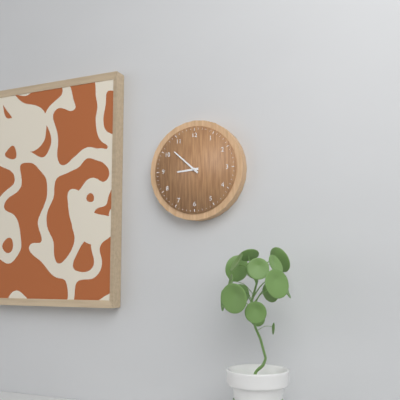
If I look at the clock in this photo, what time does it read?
8:52
